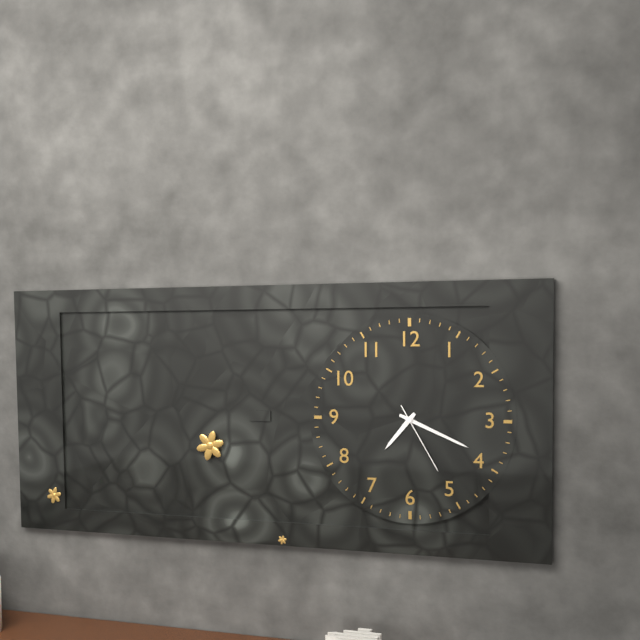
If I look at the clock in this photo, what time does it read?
7:19:25
